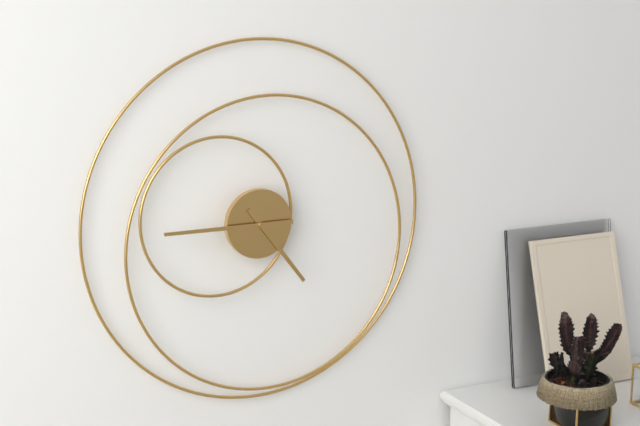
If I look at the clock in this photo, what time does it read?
4:45
